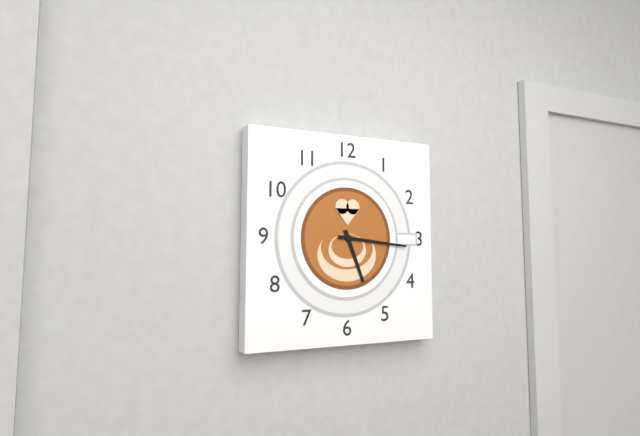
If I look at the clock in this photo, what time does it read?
5:16
